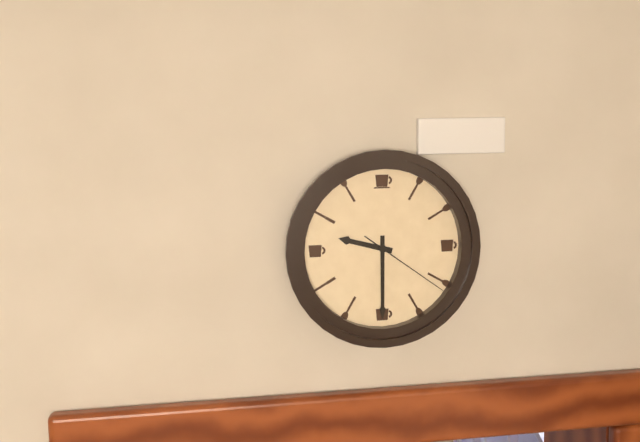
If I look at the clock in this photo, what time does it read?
9:30:21
